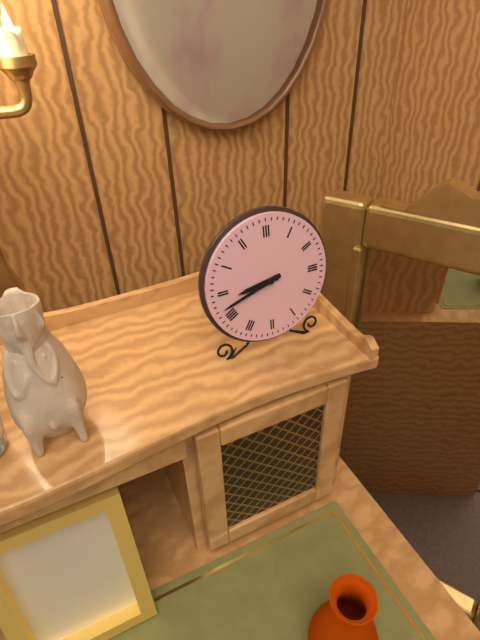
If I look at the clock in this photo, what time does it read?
8:42
